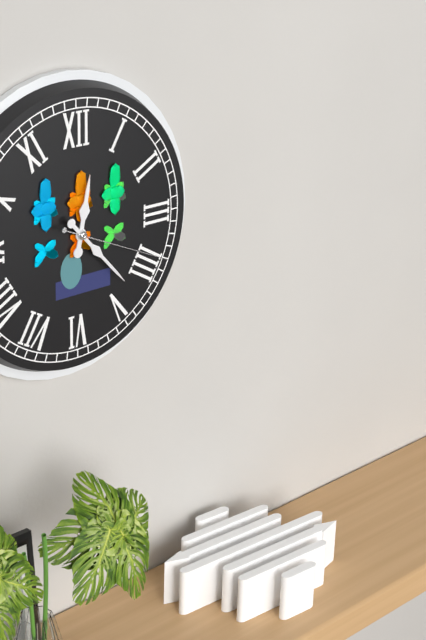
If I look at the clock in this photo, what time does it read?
12:23:19
